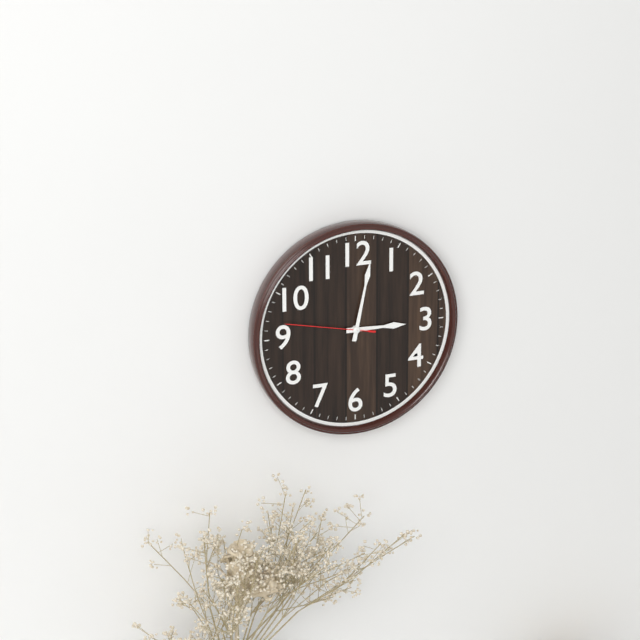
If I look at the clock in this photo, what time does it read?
3:02:47
